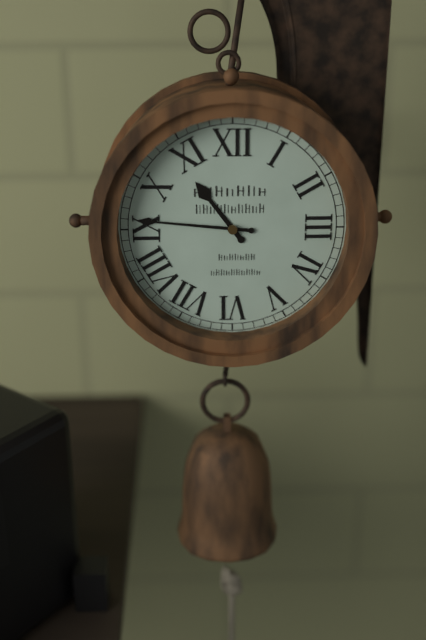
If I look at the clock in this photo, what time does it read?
10:46
